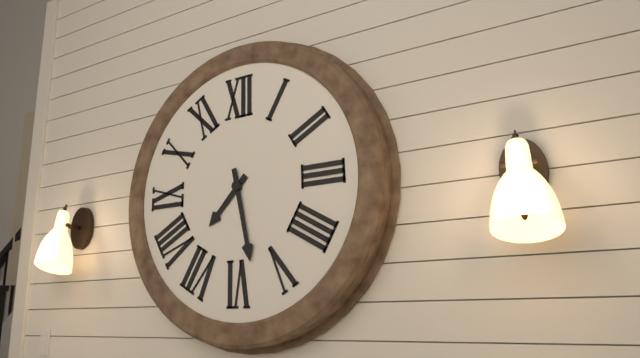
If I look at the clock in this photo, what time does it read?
7:28
